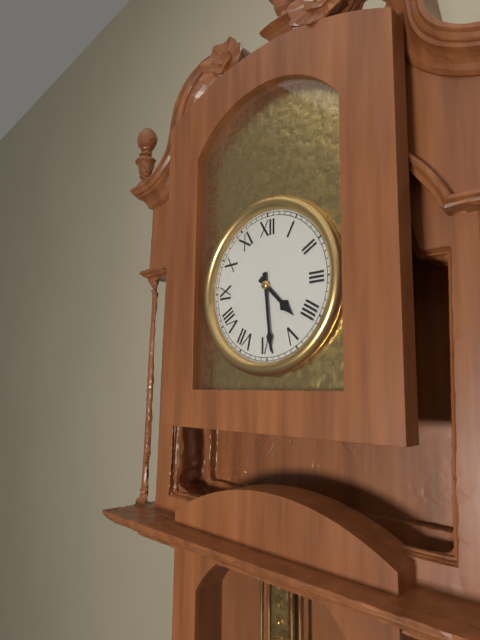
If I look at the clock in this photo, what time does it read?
4:29
